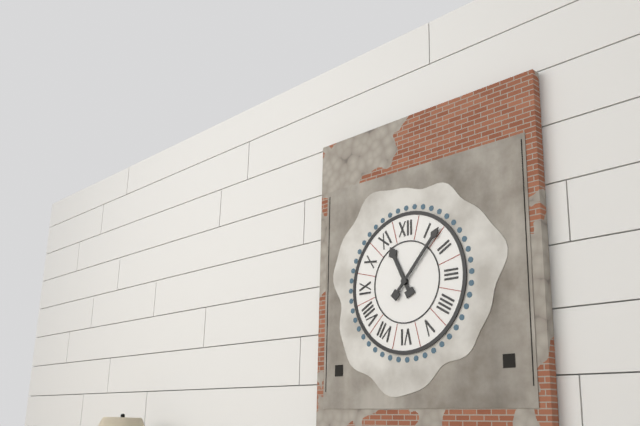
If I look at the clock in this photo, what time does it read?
11:07
